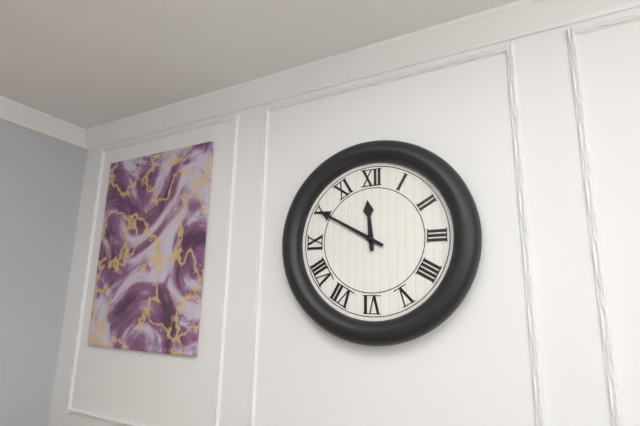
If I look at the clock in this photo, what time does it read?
11:50
